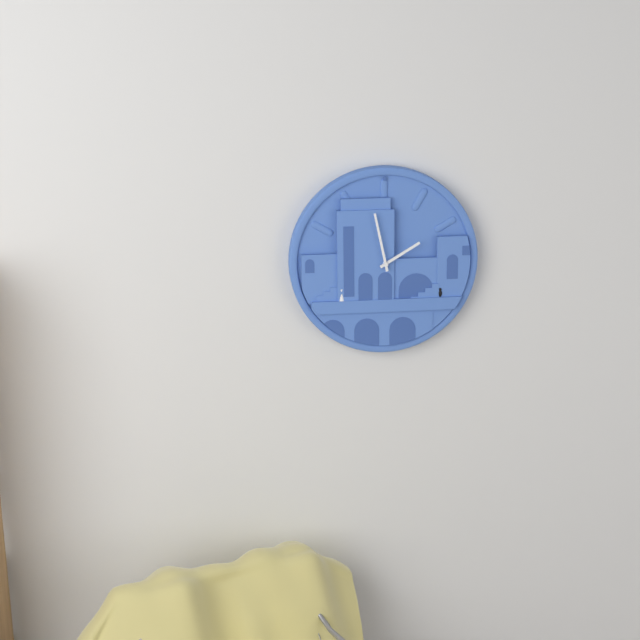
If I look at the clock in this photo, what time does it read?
1:58
